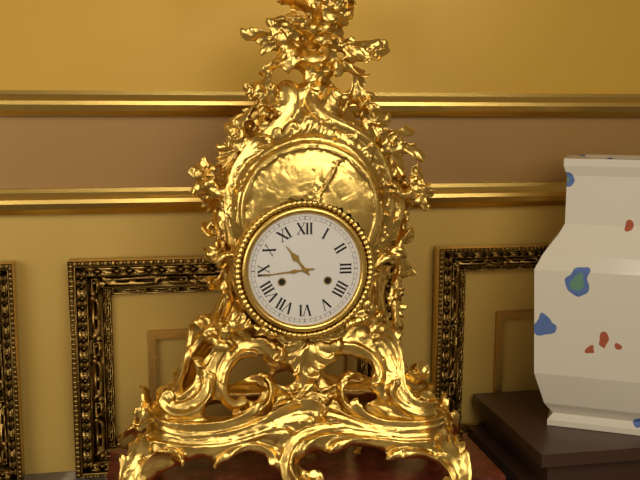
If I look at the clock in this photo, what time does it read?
10:44
